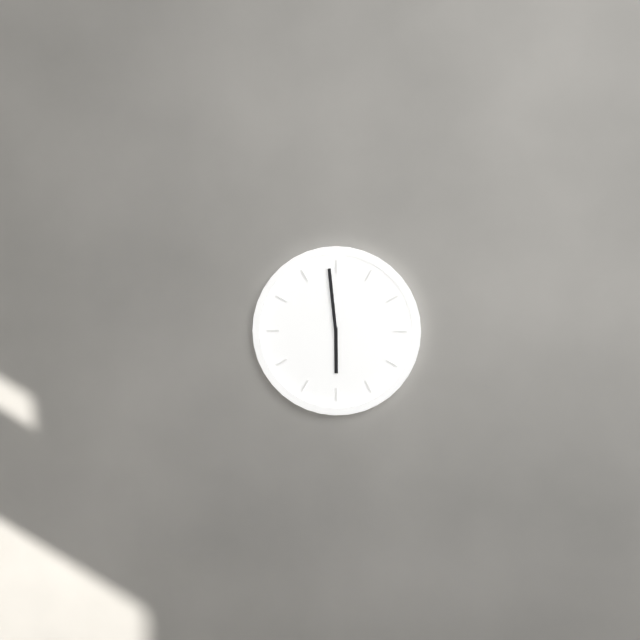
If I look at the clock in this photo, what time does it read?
5:59
